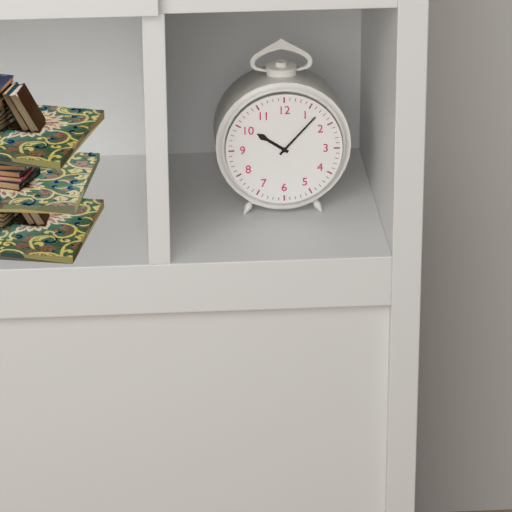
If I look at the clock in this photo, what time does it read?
10:07
